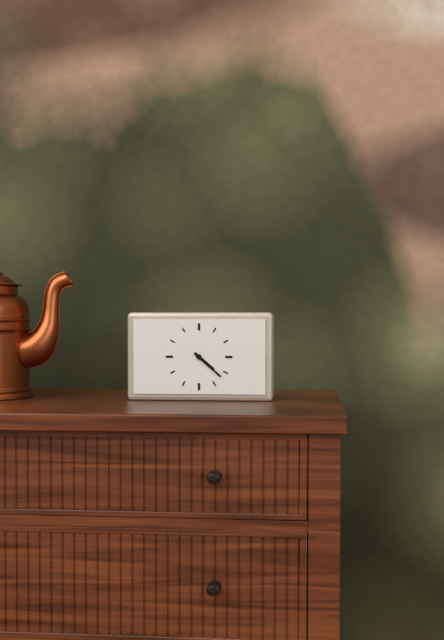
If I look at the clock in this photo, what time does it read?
4:22
